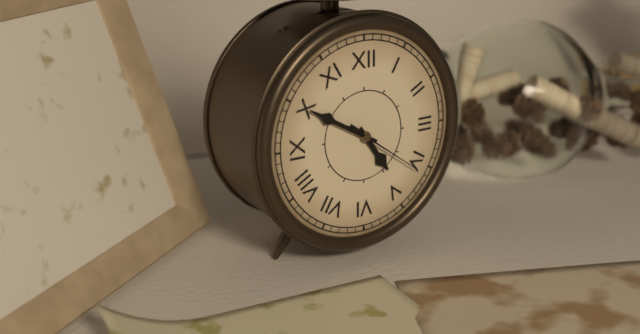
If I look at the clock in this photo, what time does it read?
4:50:21
